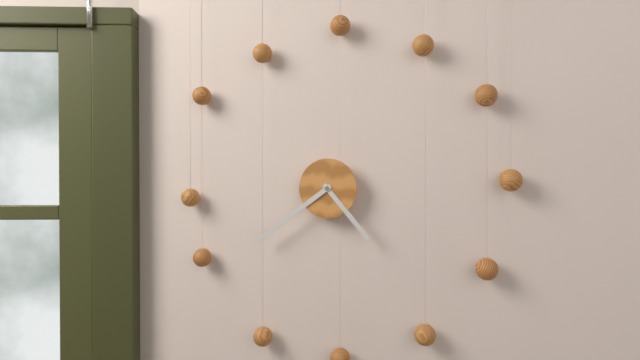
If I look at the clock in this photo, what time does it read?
4:39
